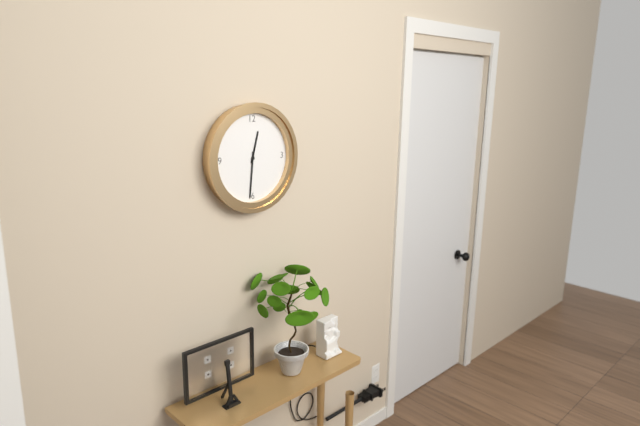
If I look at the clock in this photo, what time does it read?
12:31
